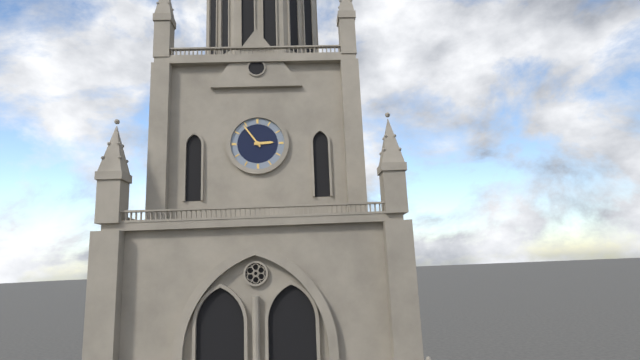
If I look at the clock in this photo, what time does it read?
2:54
